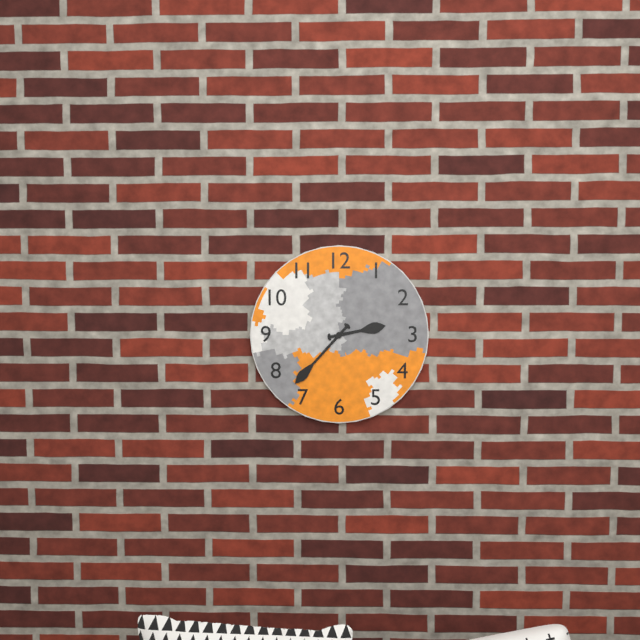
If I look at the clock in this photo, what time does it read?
2:37
